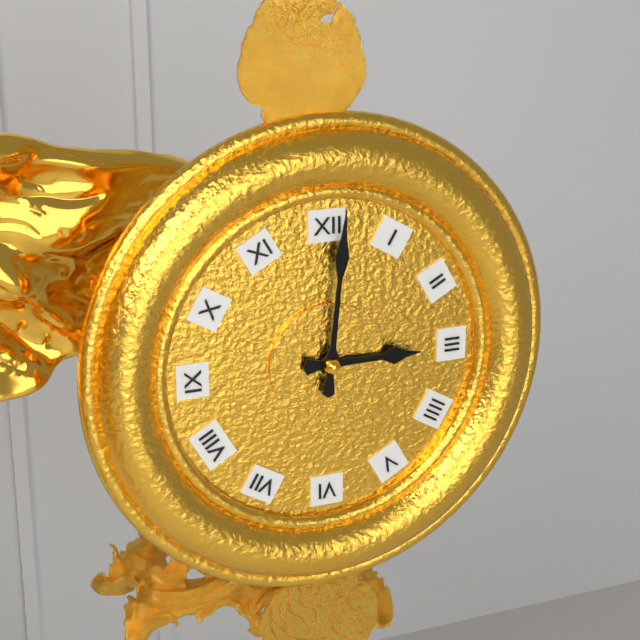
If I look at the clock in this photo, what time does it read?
3:01
